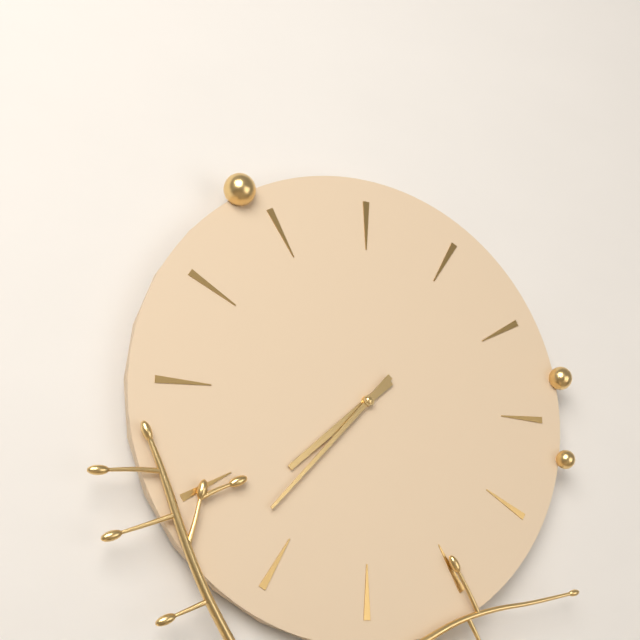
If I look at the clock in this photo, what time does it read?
7:37
